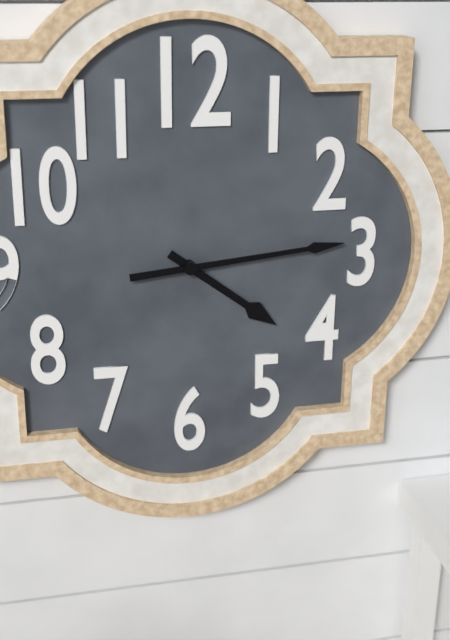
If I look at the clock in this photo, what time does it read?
4:14
